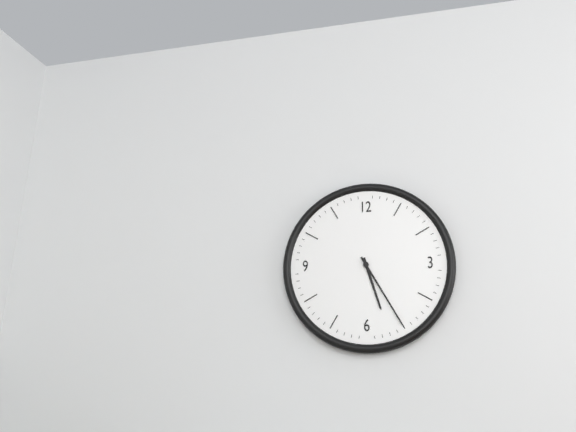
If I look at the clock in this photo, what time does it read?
5:25
